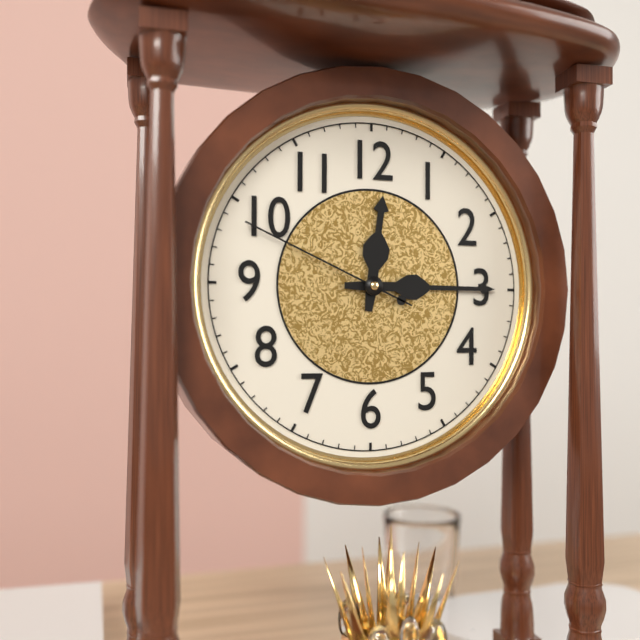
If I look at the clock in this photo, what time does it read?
12:15:49
